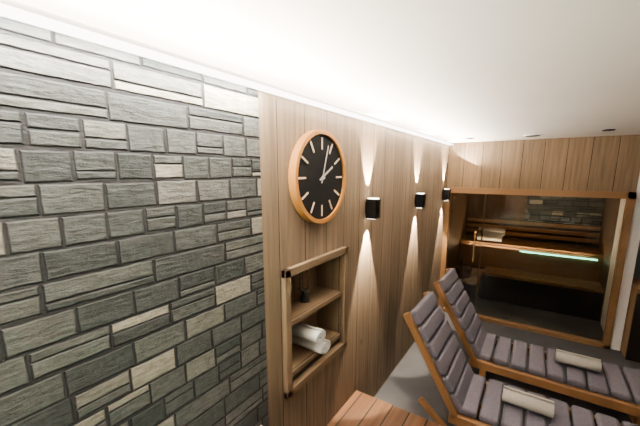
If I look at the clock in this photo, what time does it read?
2:03
